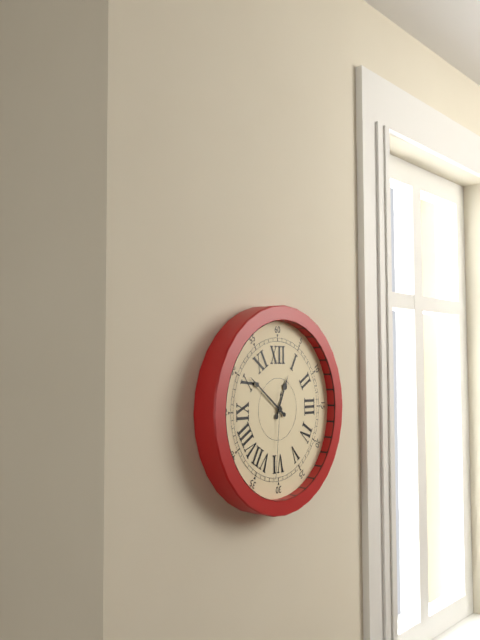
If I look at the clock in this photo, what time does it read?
12:51:31
